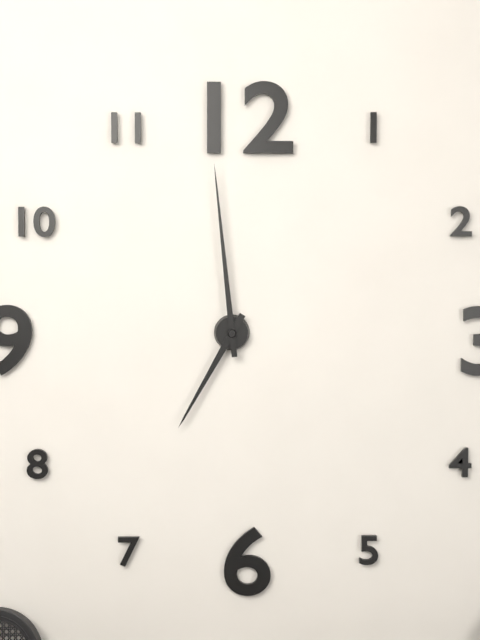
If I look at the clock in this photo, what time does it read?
6:59
